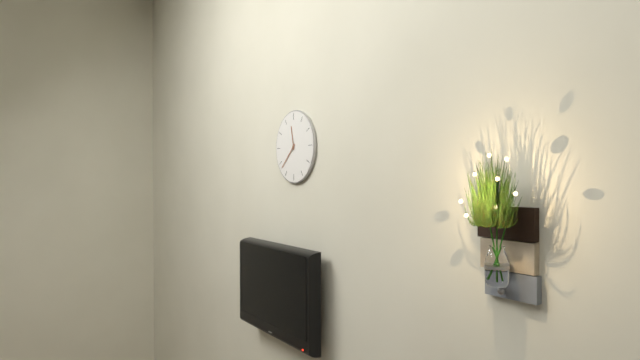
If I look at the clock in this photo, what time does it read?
11:38
